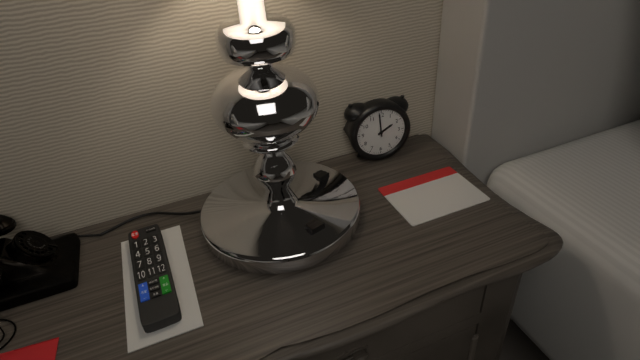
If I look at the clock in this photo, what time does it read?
1:59
